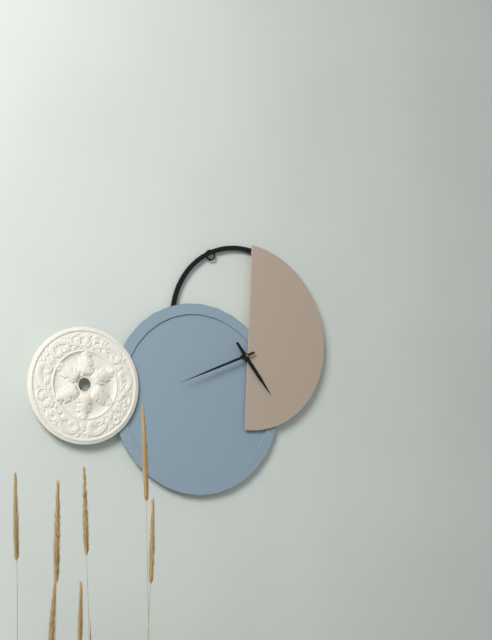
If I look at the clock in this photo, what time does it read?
4:41
